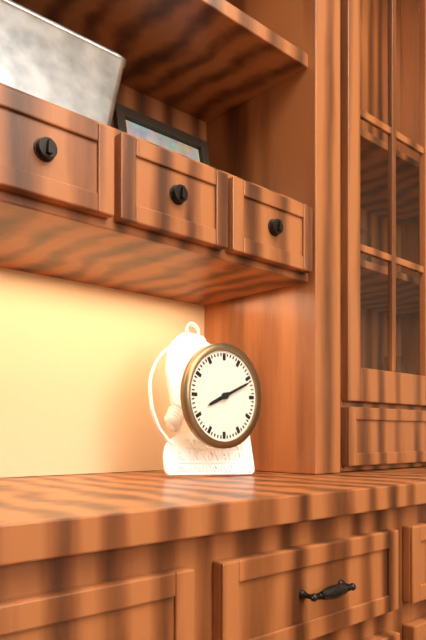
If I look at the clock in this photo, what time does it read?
8:11
